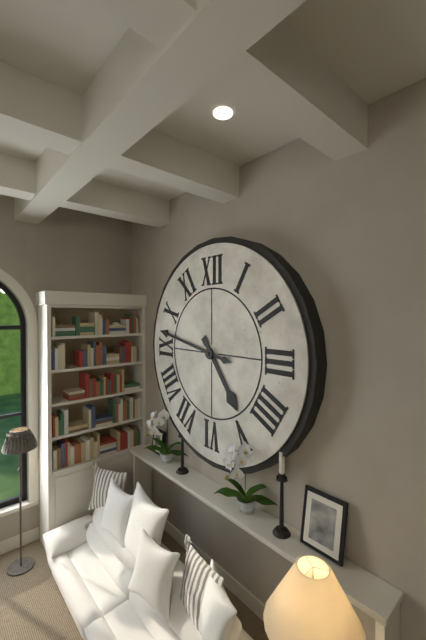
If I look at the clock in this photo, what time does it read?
4:47
